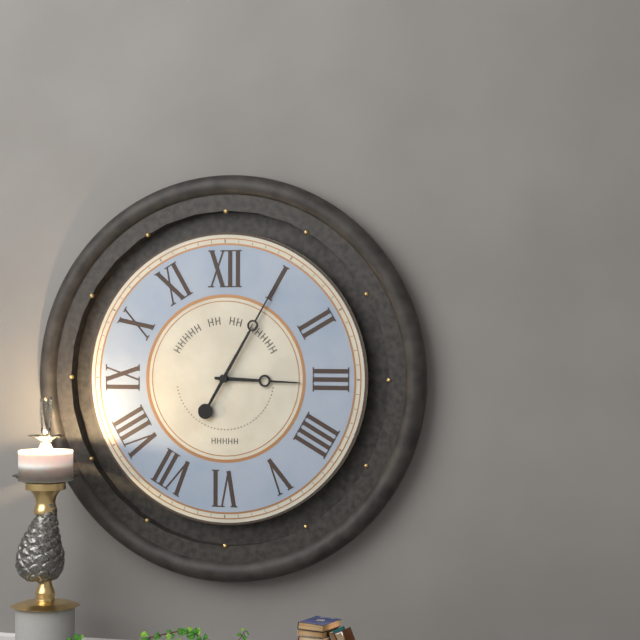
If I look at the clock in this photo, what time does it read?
3:05
